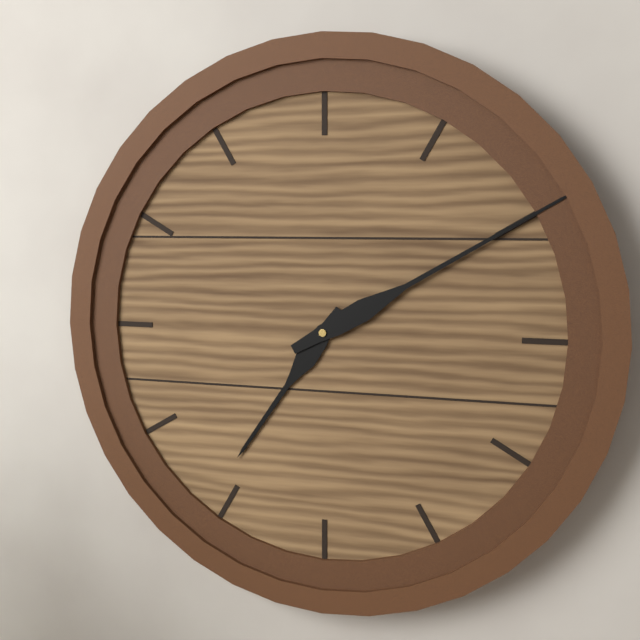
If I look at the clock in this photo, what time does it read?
7:10
